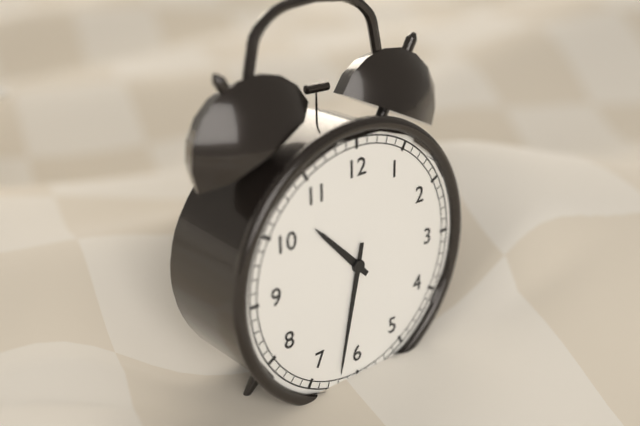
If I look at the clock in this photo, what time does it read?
10:32
